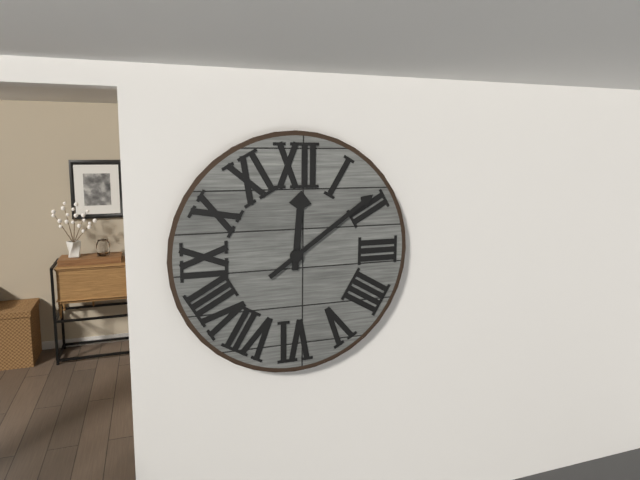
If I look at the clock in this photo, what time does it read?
12:09
